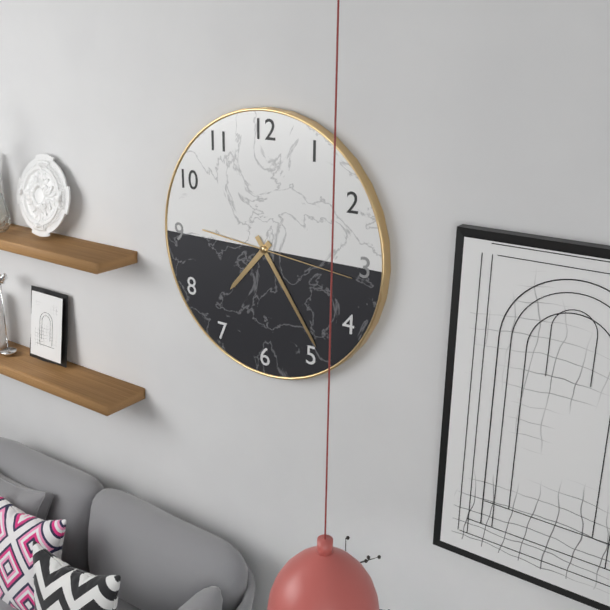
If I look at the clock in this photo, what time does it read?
7:24:16
